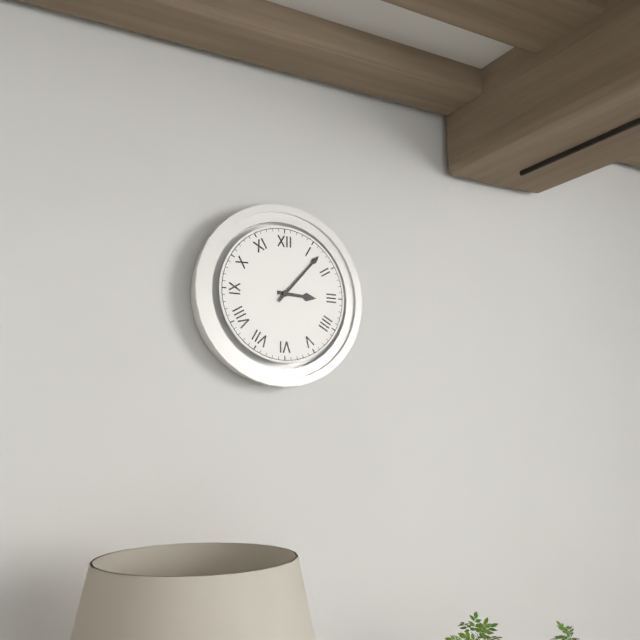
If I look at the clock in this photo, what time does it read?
3:07
